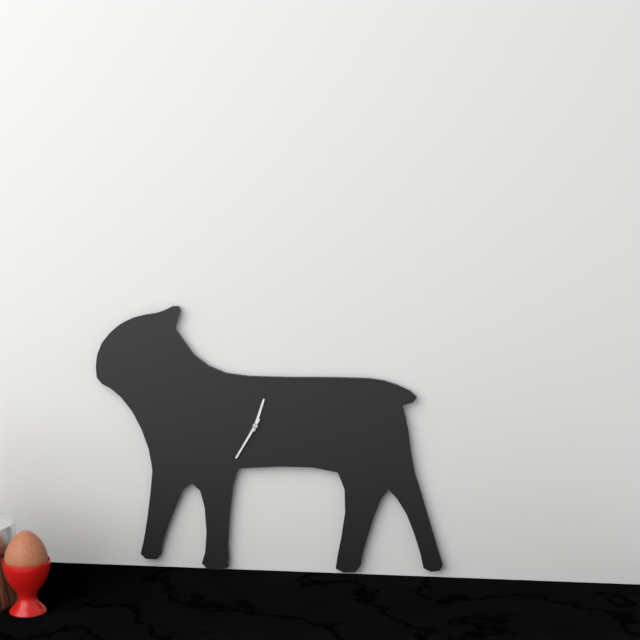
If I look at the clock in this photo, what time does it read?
12:35
